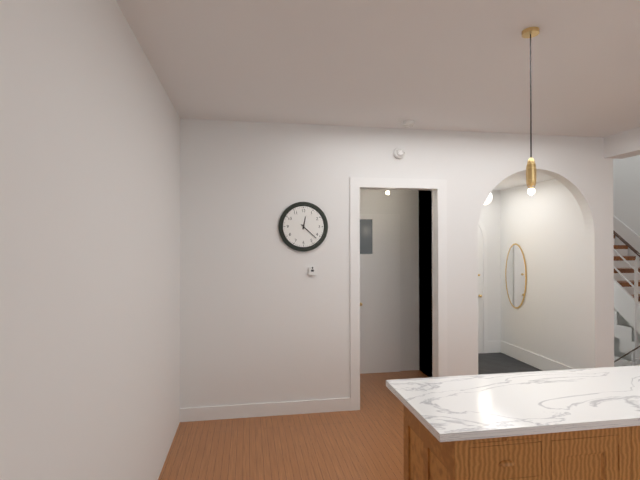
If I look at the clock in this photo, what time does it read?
12:22
